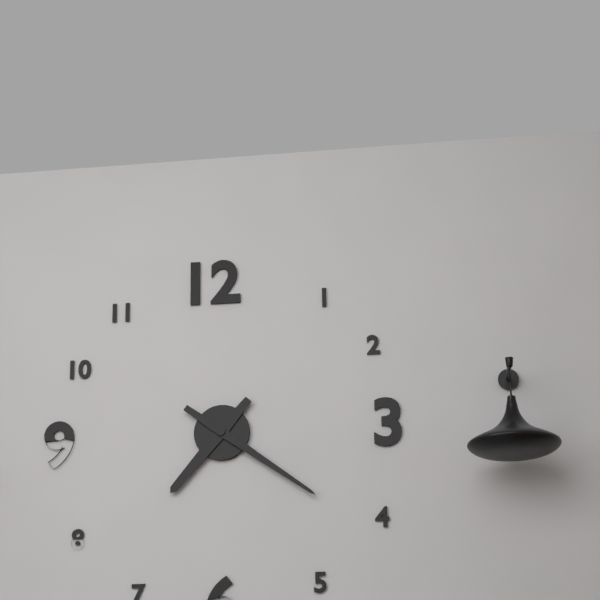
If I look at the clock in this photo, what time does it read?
7:21
